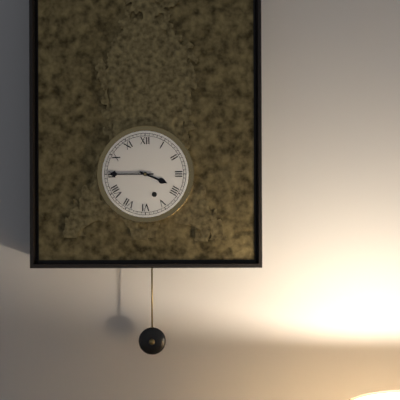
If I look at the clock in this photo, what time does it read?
3:45
